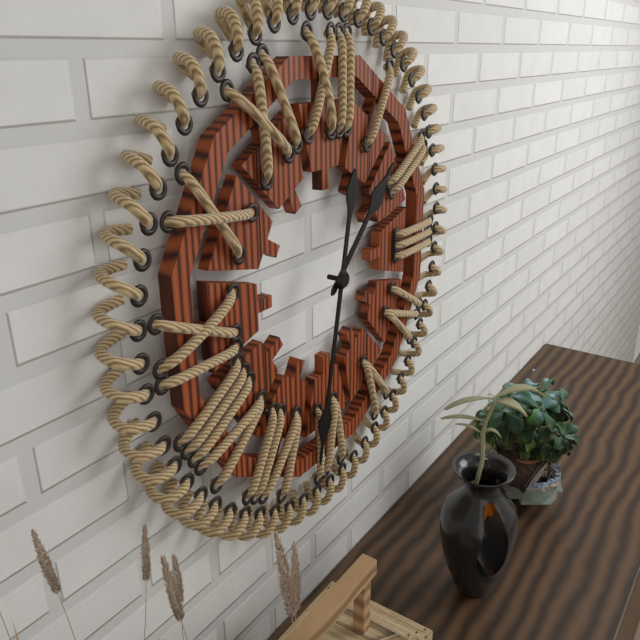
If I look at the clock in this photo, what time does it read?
1:32
